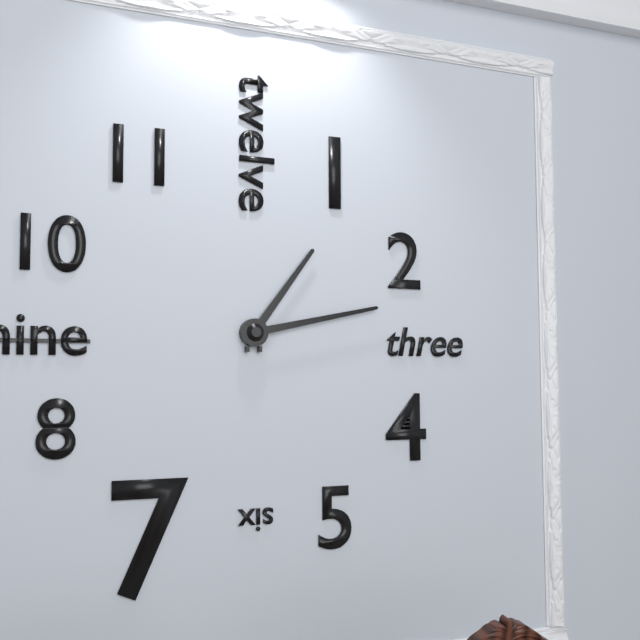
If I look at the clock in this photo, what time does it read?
1:13
